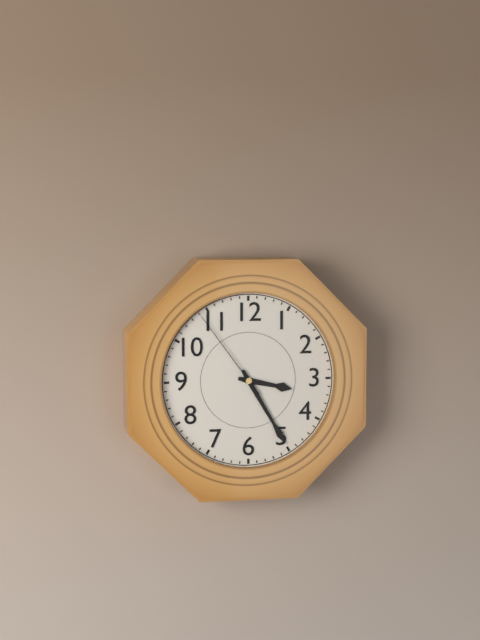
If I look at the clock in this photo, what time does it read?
3:25:54
